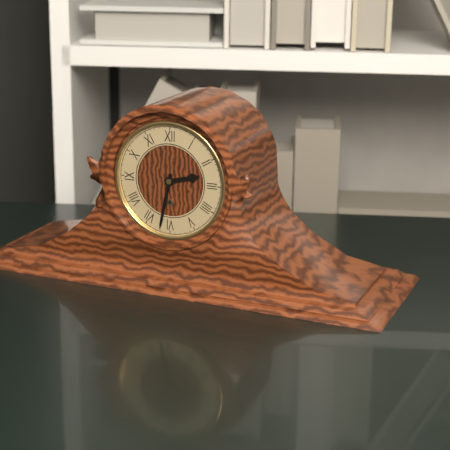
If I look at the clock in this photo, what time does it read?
2:32
